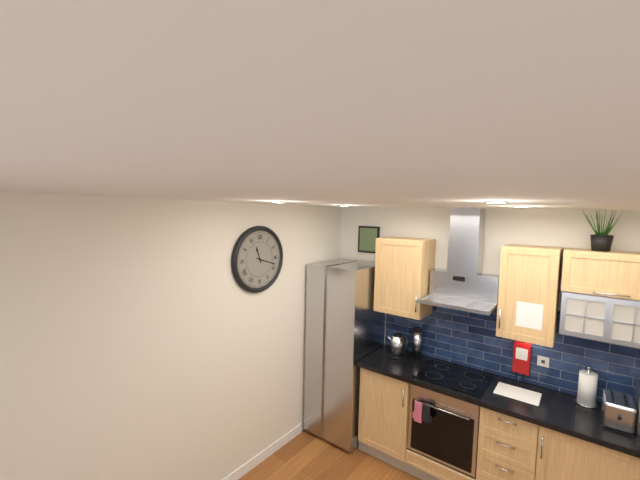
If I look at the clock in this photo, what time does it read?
11:18
